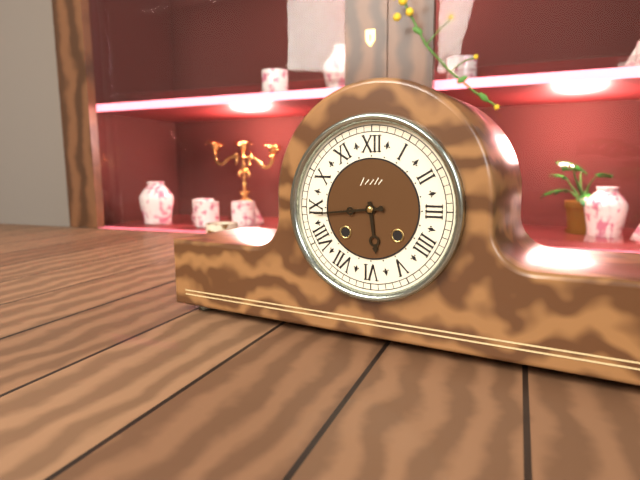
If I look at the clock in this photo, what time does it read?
5:44
